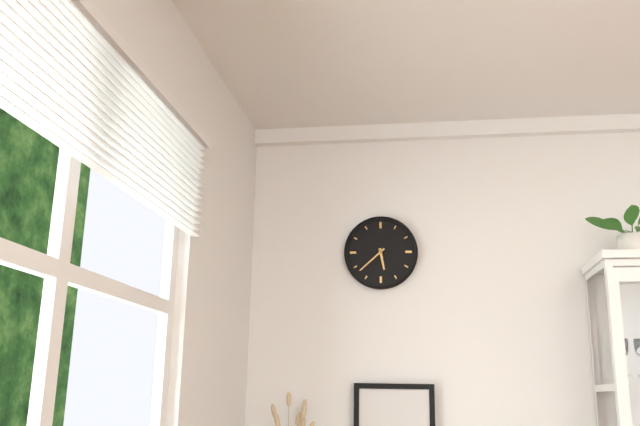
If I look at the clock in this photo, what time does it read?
5:38
